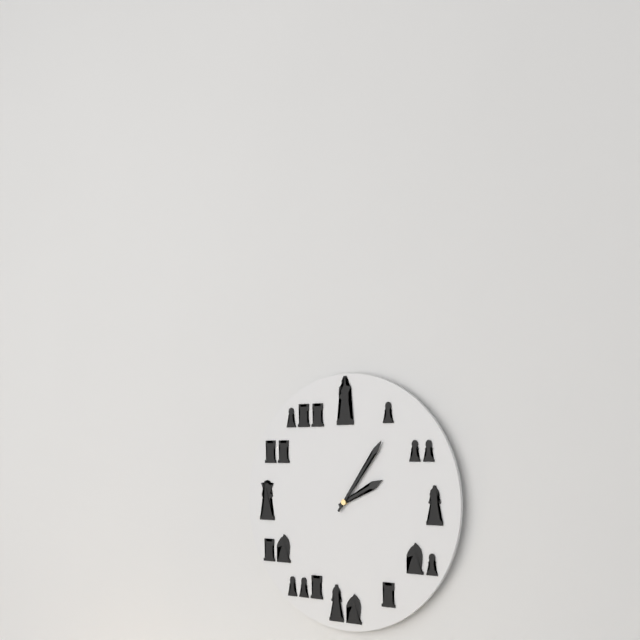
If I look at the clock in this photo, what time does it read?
2:06
